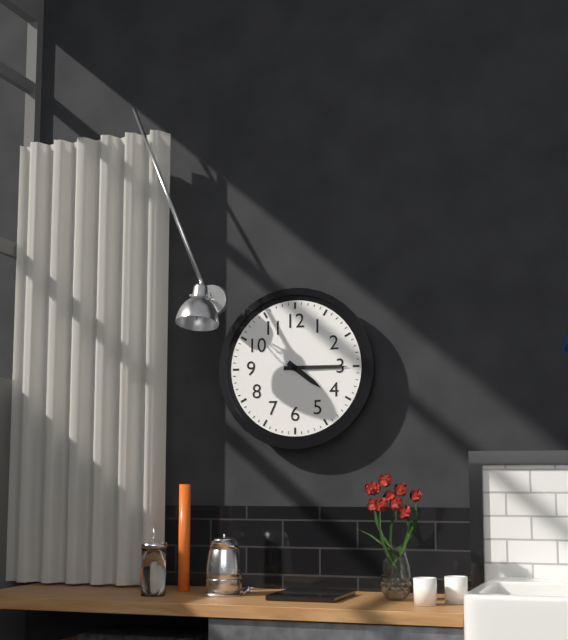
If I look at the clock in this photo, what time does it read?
4:15
